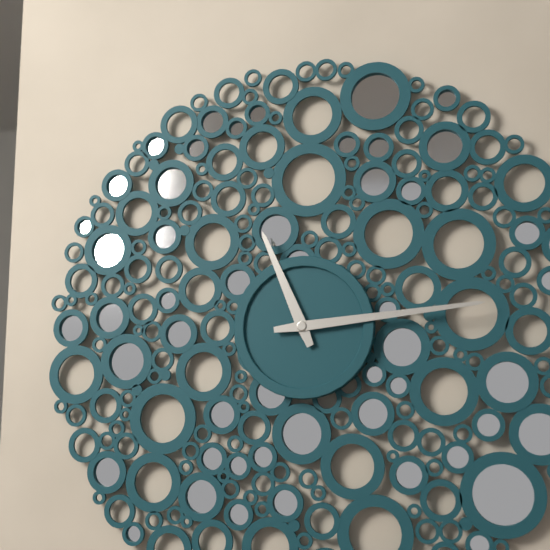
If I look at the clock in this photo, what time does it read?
11:14
